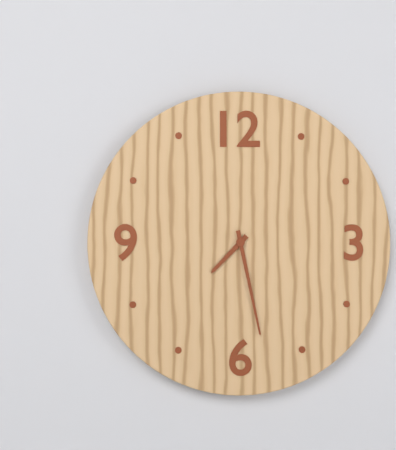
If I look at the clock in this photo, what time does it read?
7:28
